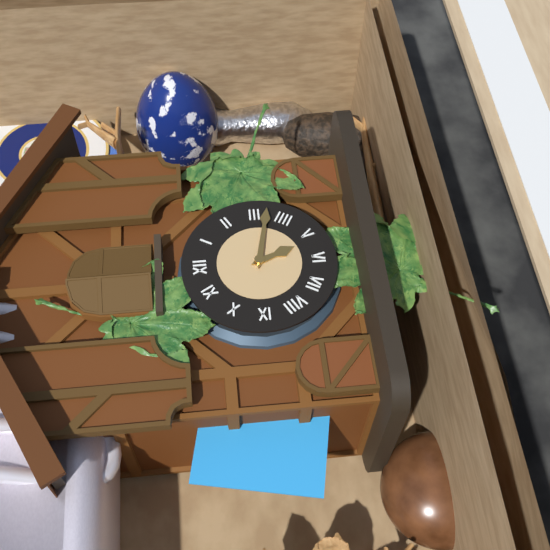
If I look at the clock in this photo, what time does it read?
5:17
